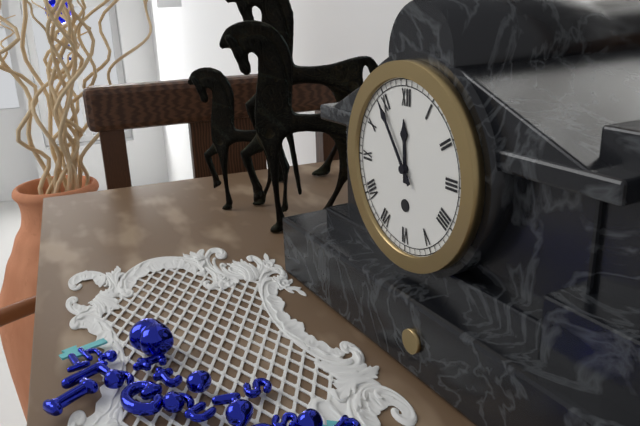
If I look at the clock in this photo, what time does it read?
11:54
